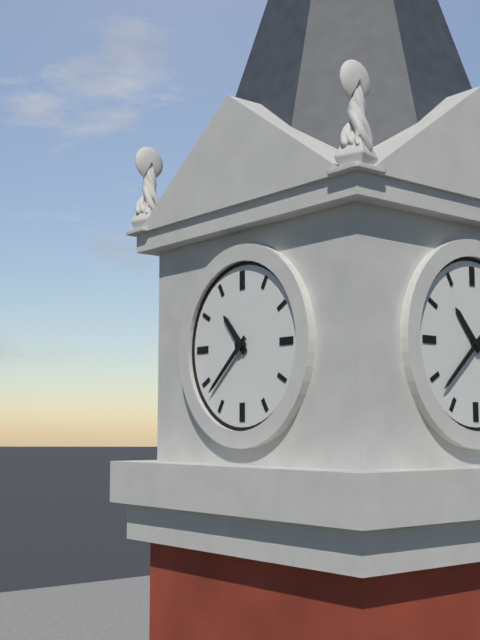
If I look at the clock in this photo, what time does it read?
10:38
